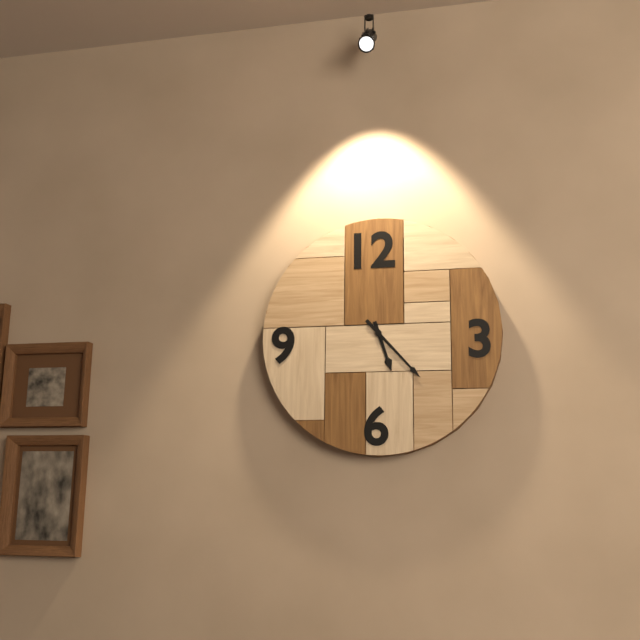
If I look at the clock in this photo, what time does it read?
5:23
